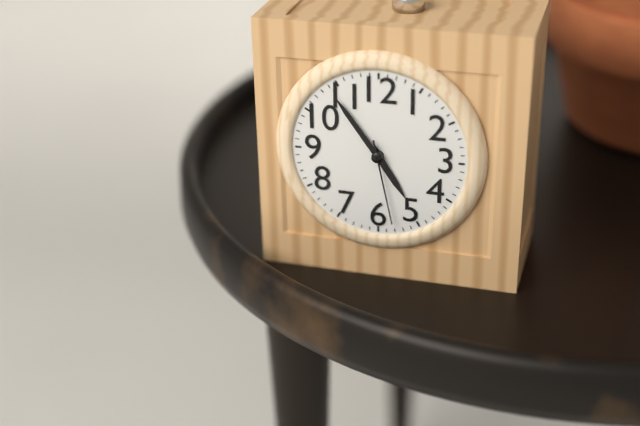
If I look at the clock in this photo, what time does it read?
4:54:28
